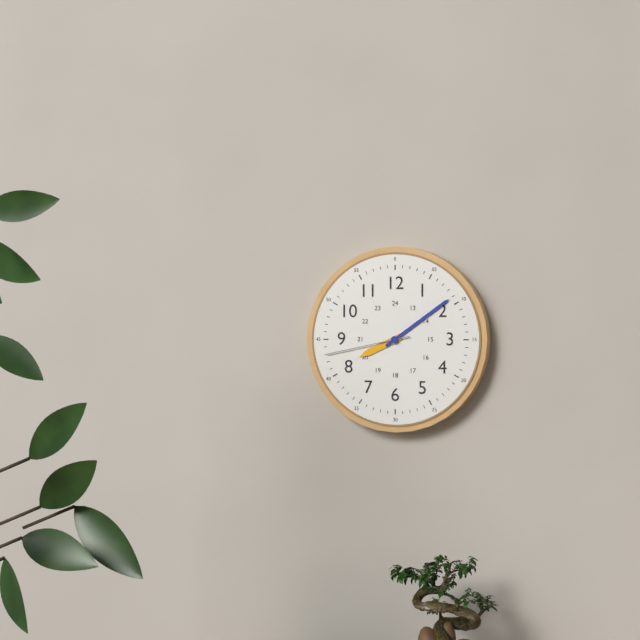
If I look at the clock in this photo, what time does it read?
8:09:43
